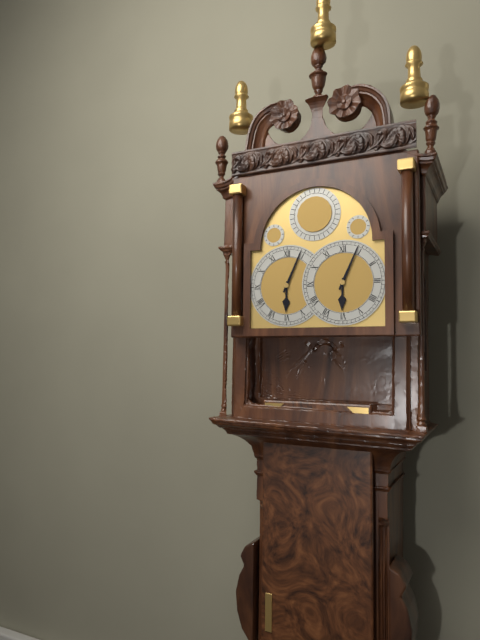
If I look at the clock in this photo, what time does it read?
6:04
